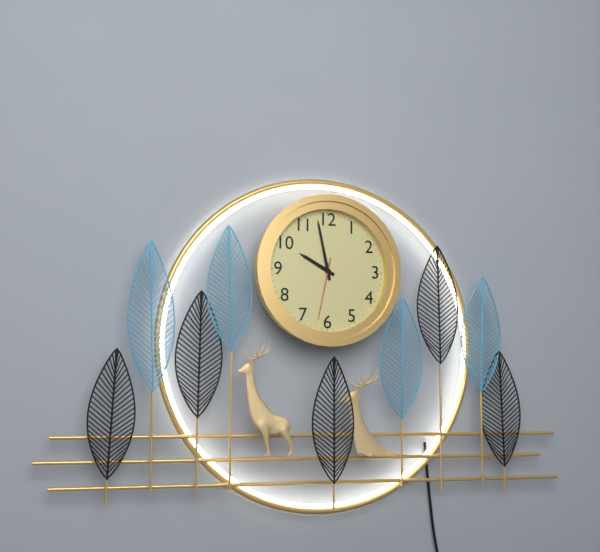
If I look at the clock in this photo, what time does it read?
9:58:32
